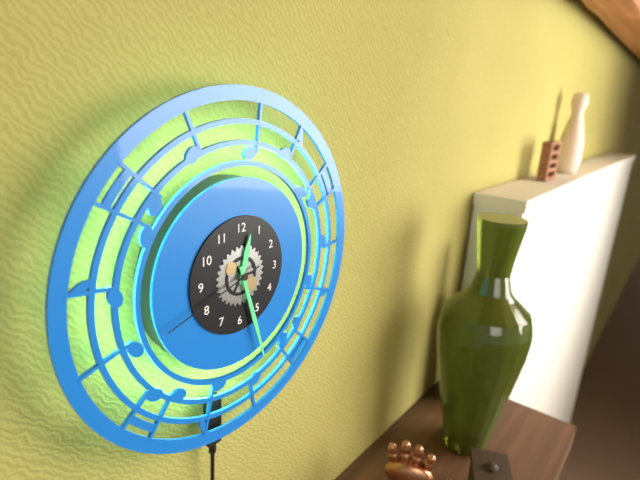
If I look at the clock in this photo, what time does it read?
12:27:42
